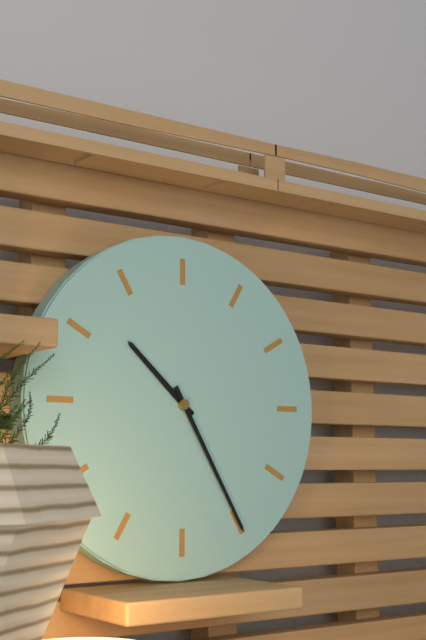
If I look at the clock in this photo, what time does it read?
10:25
